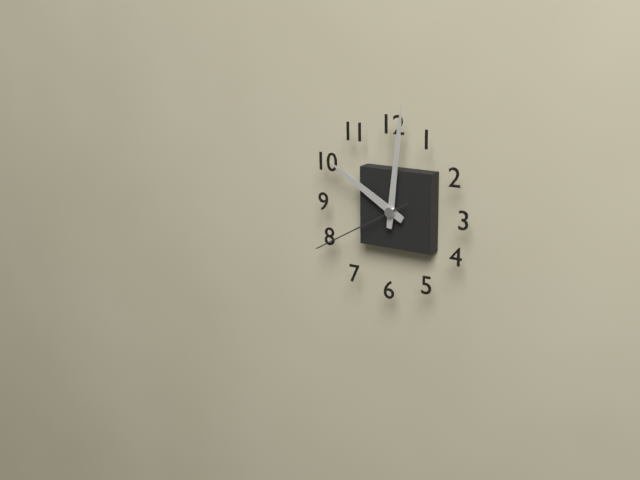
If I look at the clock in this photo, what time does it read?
10:01:40
